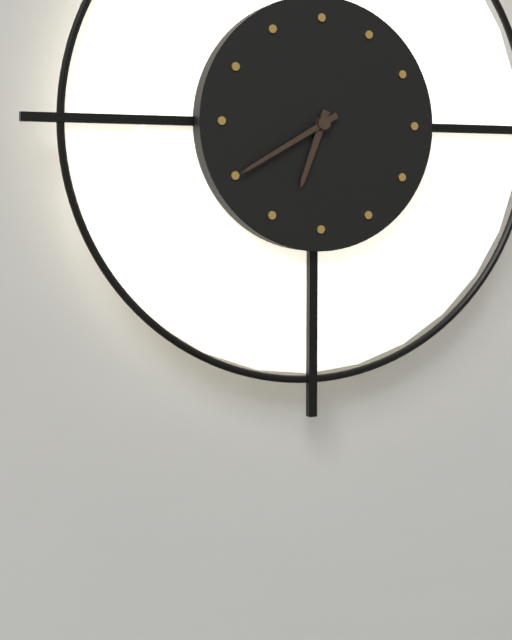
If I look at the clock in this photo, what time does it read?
6:40
